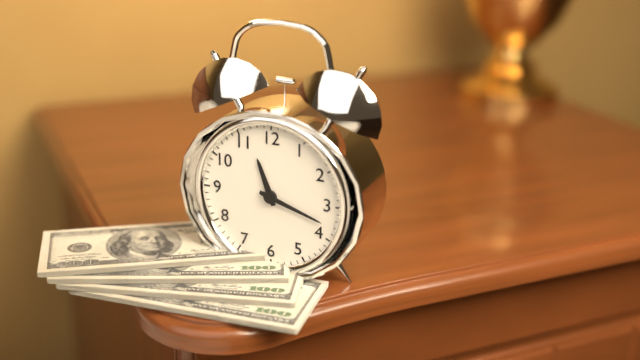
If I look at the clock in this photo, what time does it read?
11:18
